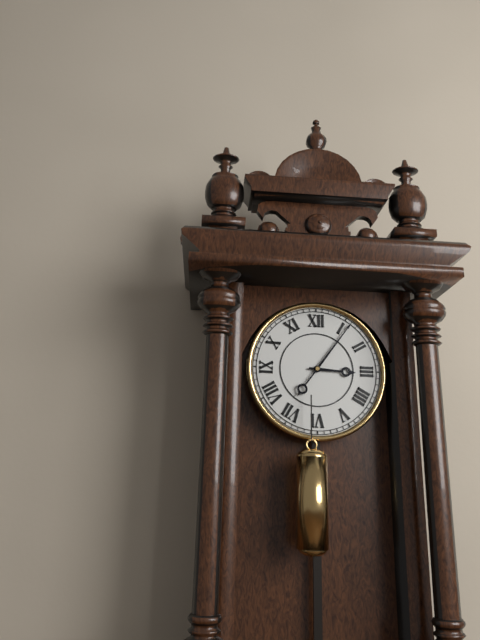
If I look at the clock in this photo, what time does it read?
3:06
